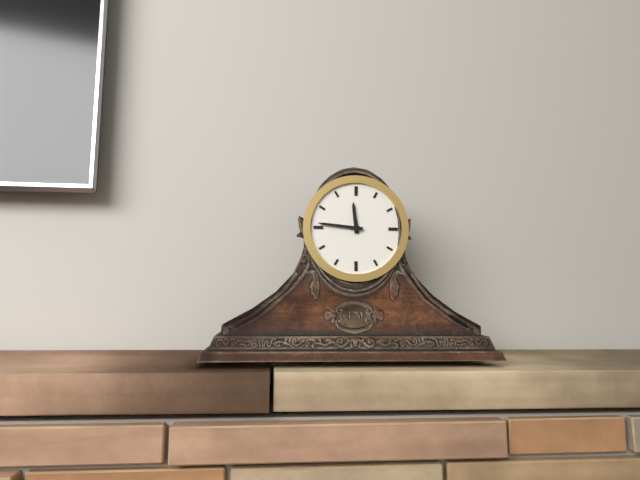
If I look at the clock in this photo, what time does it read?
11:46
